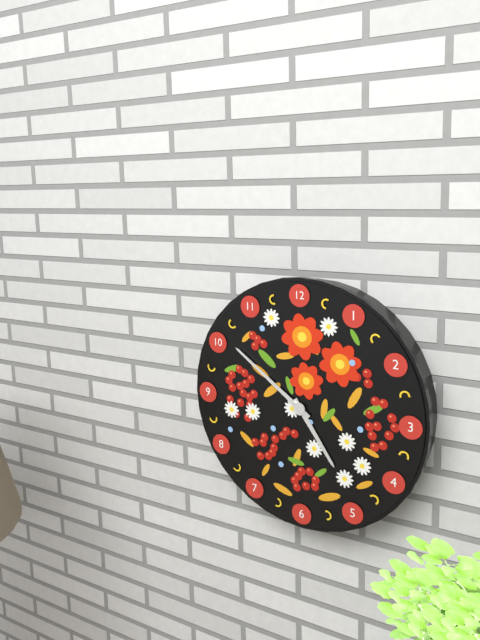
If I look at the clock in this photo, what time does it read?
4:51
